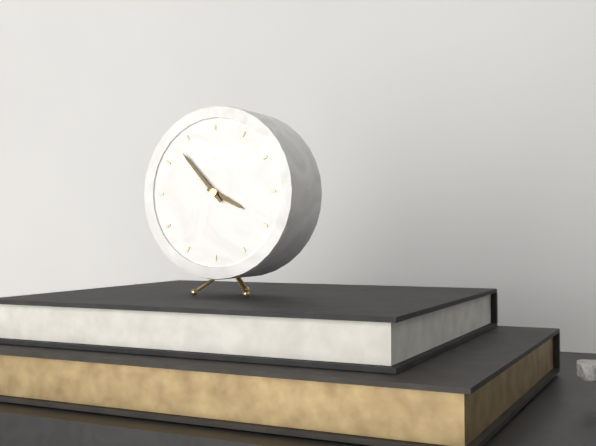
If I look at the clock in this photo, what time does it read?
3:53
